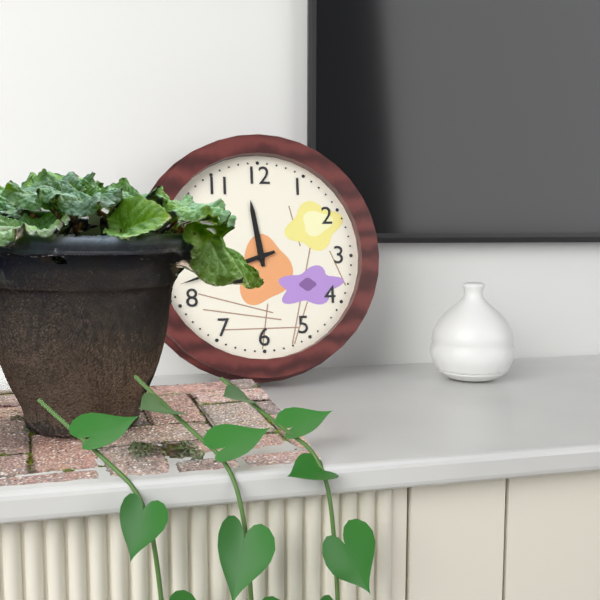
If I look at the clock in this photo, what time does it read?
11:42
